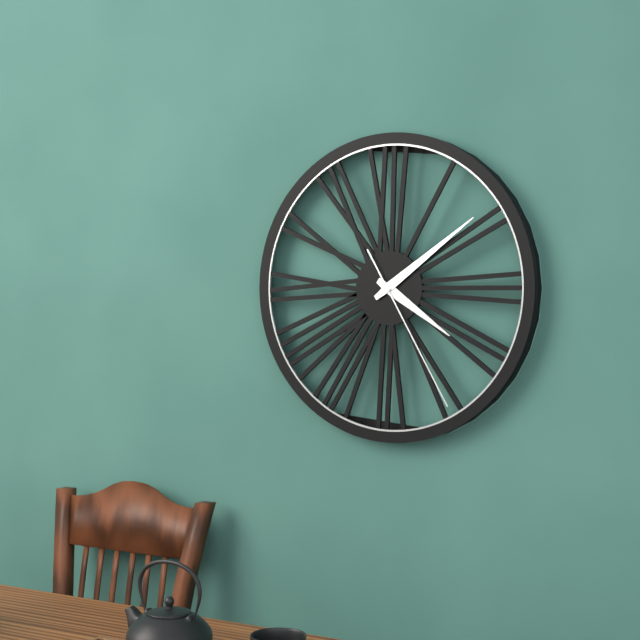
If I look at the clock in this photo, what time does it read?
4:09:25
